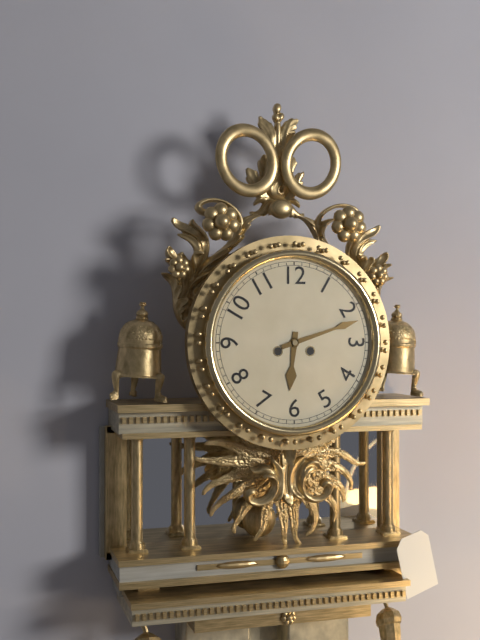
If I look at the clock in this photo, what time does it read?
6:12
